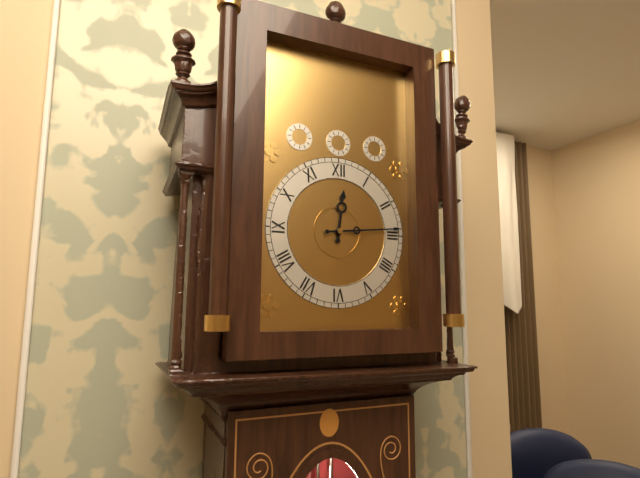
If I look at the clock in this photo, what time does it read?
12:14
